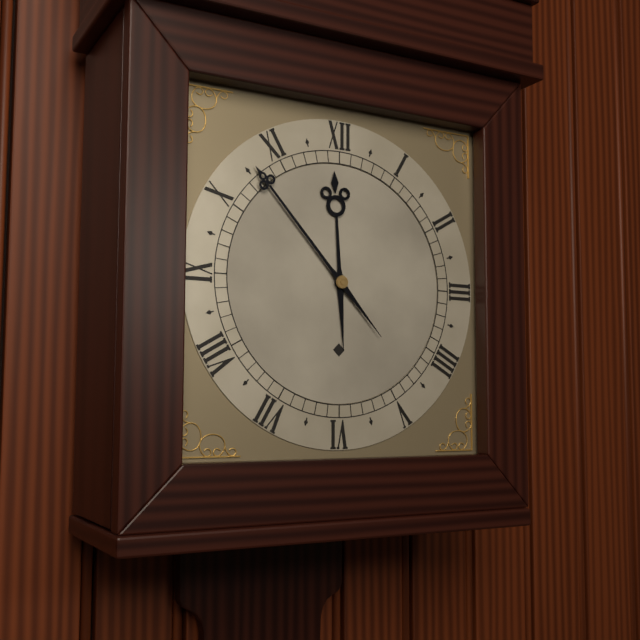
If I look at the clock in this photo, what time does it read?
11:53
